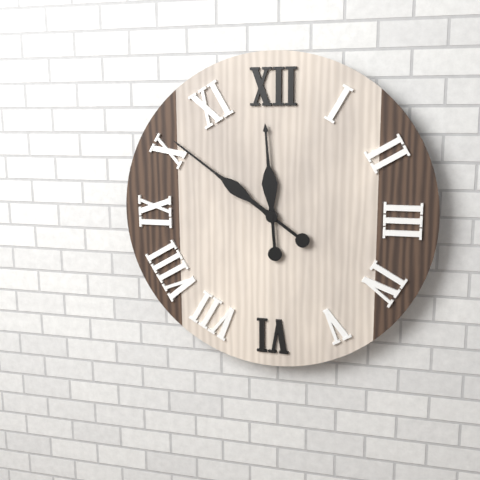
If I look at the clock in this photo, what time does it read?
11:51
